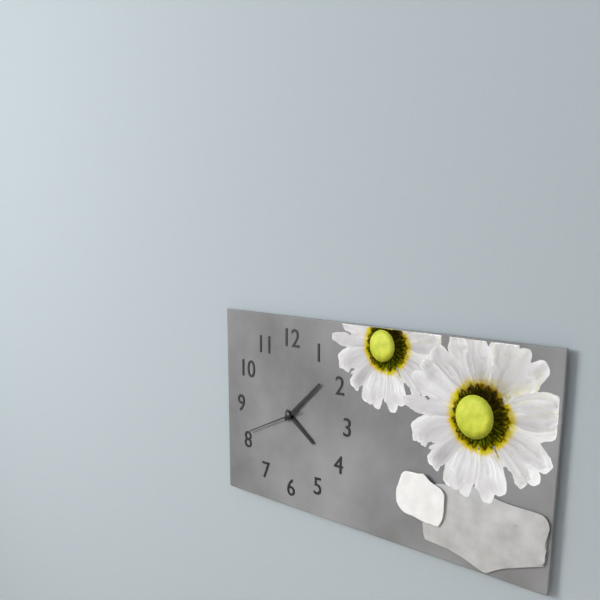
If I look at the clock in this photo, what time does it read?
4:08:41
